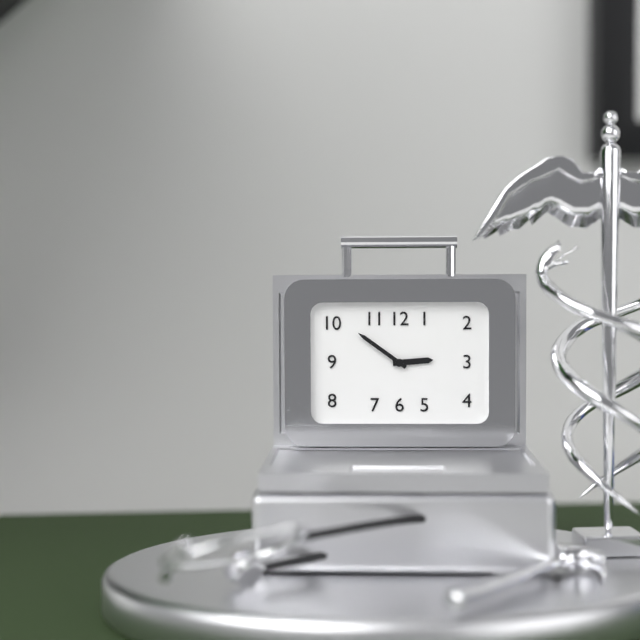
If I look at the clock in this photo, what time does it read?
2:51
